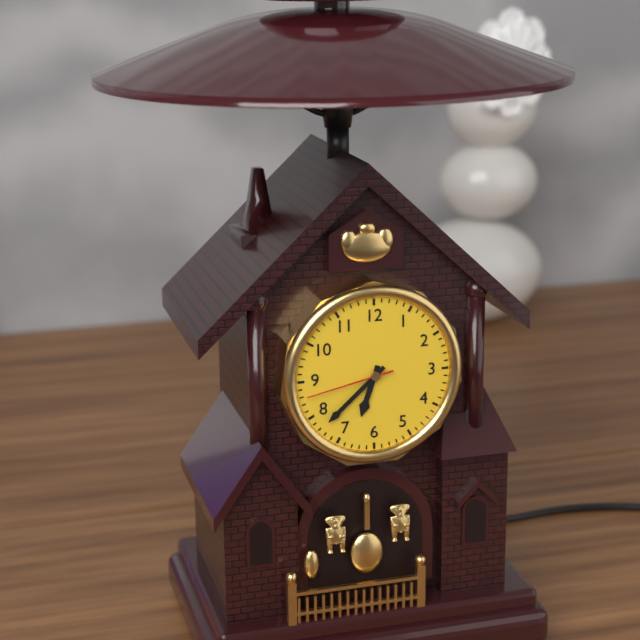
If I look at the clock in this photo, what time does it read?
6:38:43
